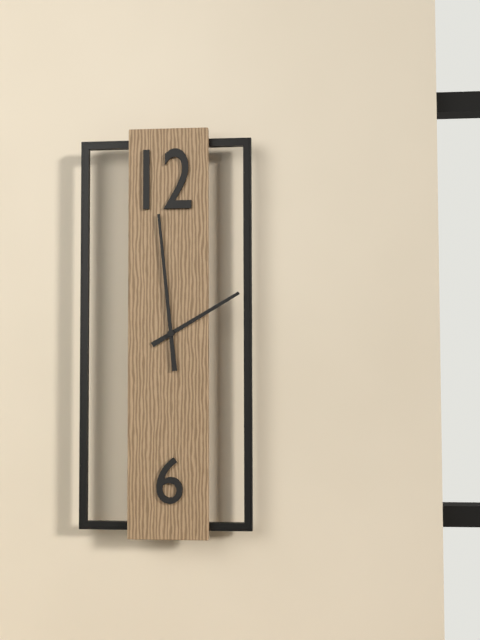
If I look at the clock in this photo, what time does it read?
1:59
